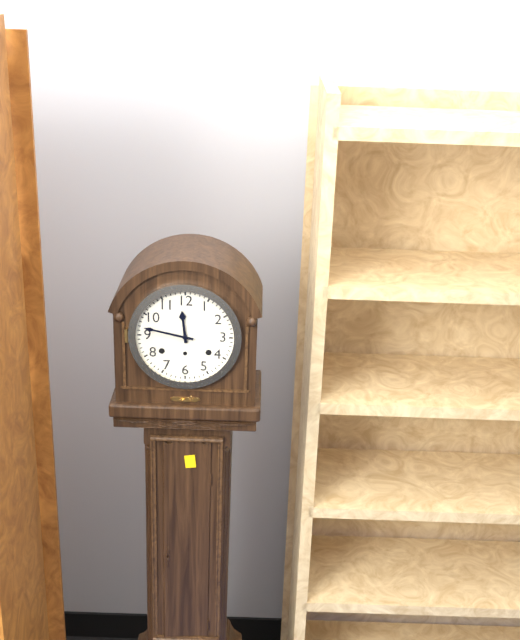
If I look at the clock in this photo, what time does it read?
11:47
